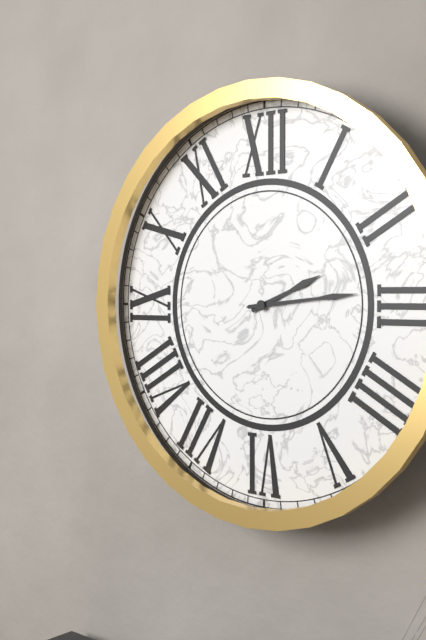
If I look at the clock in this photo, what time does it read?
2:14
